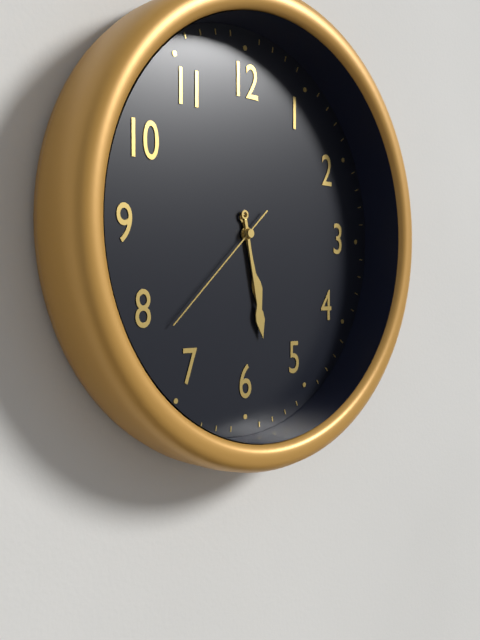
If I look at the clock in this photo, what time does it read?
5:28:38
